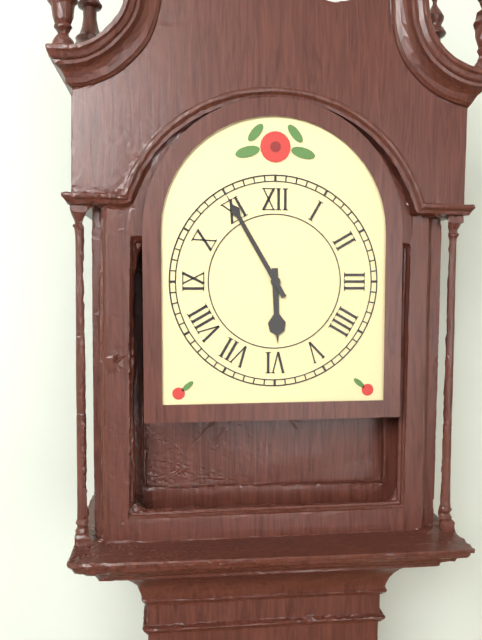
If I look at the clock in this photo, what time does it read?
5:55
